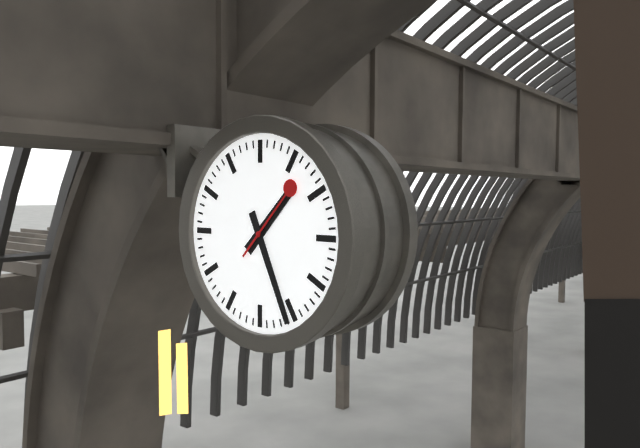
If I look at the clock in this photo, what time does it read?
1:26:07
